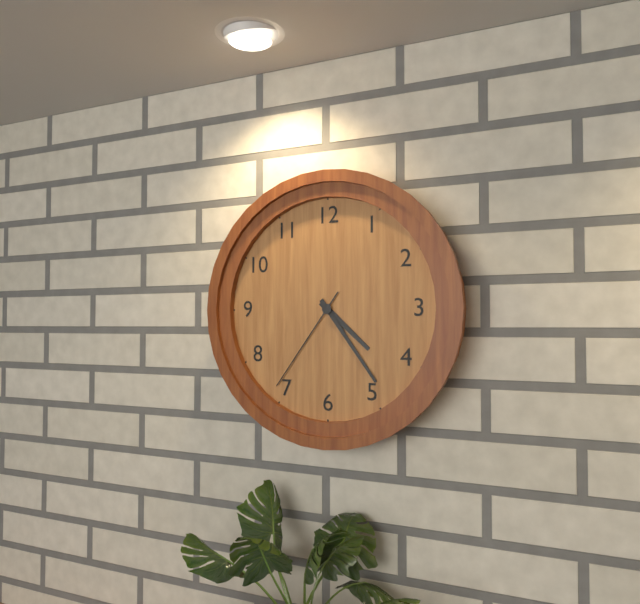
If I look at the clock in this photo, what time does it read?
4:24:36
